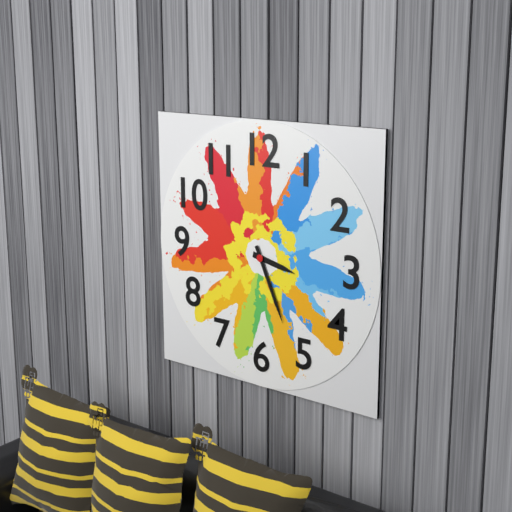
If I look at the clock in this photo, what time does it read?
3:26
